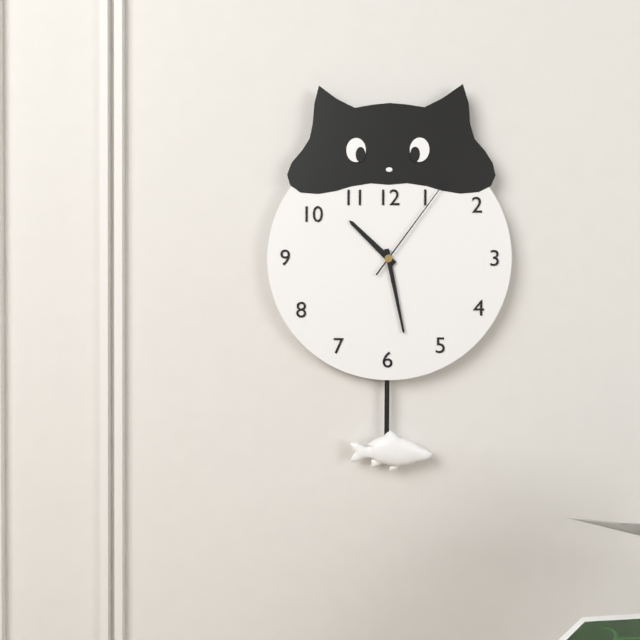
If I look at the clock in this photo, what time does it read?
10:28:06
